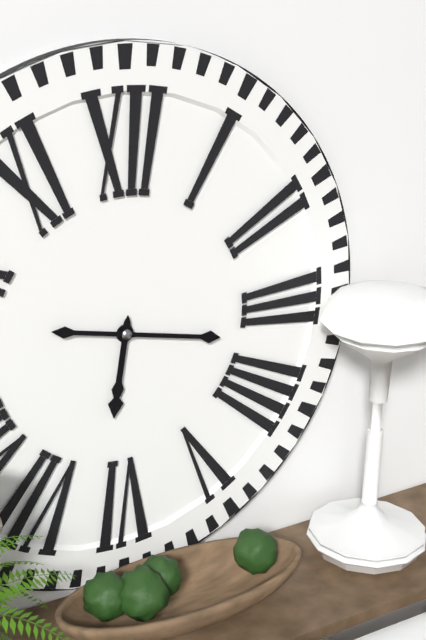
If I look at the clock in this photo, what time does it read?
6:17
